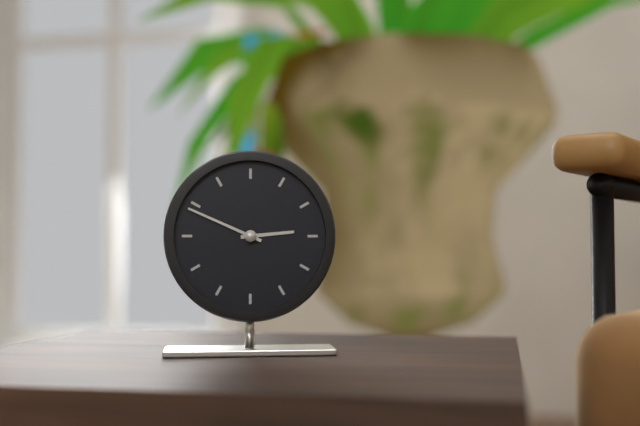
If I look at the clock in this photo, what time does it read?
2:49
